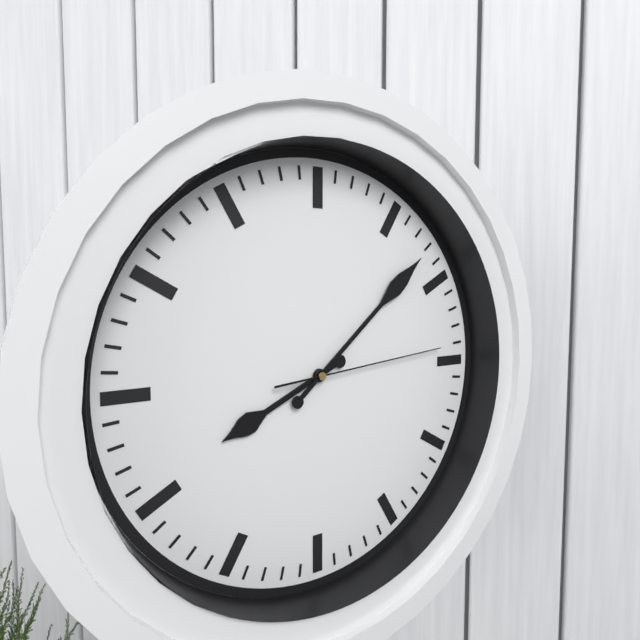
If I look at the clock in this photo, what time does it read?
8:08:14
